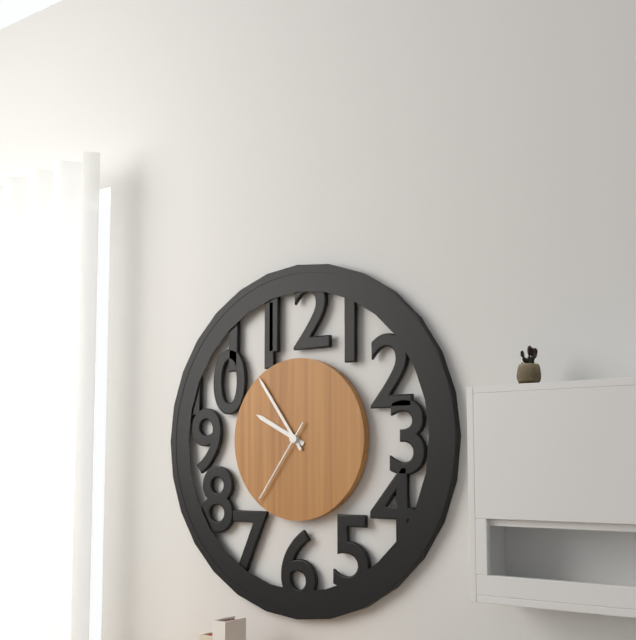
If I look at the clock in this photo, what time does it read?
9:54:36
